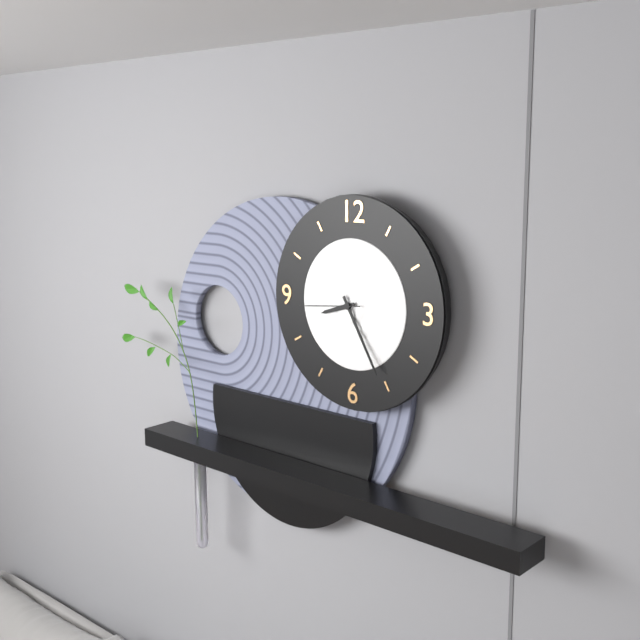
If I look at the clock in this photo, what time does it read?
8:25:44
